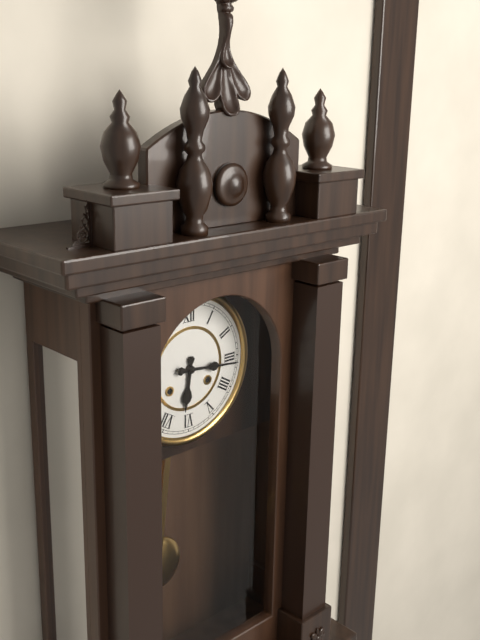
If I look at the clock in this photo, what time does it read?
6:16
